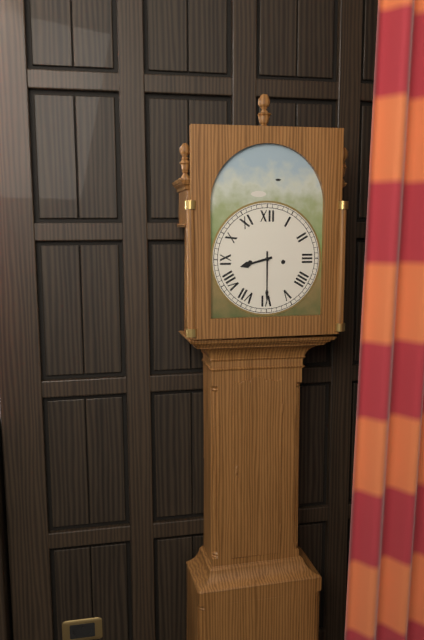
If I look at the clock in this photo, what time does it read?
8:30
